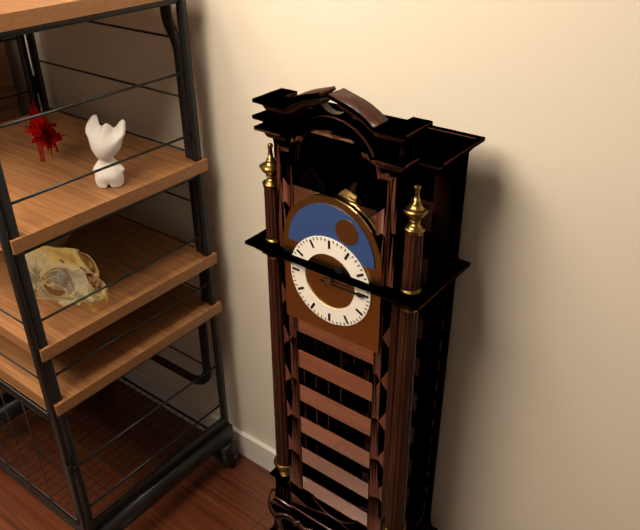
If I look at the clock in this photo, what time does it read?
1:15
